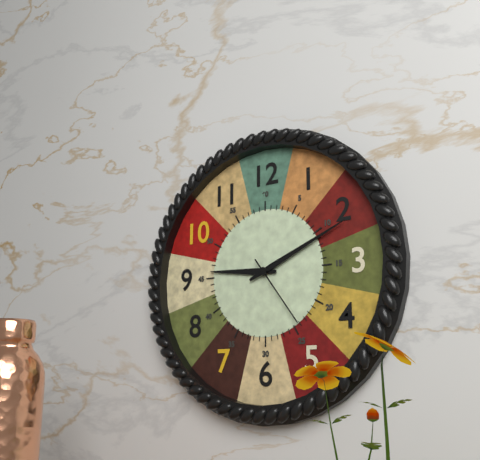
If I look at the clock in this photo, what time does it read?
9:11:24
